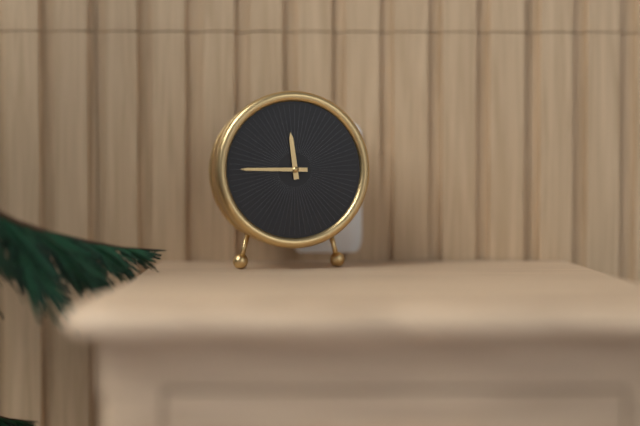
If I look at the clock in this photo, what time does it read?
11:45
